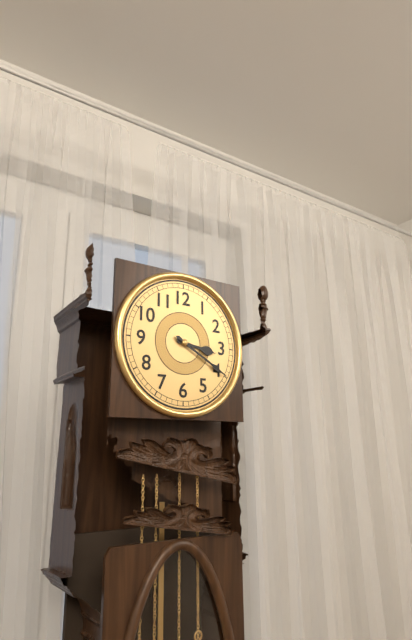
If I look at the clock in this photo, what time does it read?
3:20
